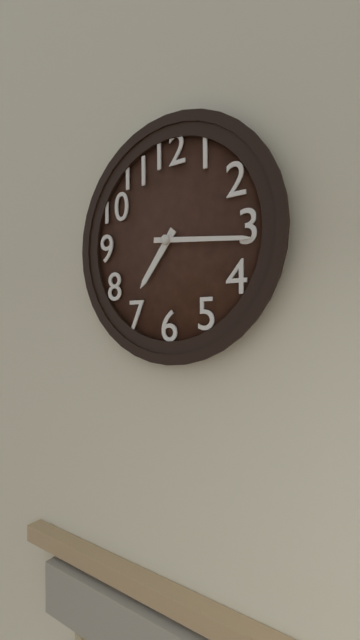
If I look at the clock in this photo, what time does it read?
7:16
